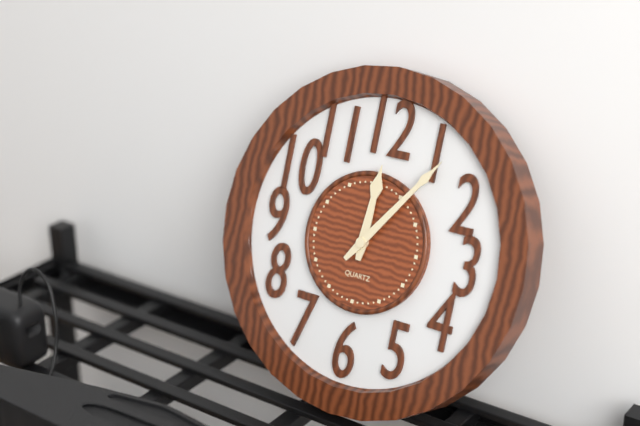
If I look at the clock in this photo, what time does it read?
12:06
